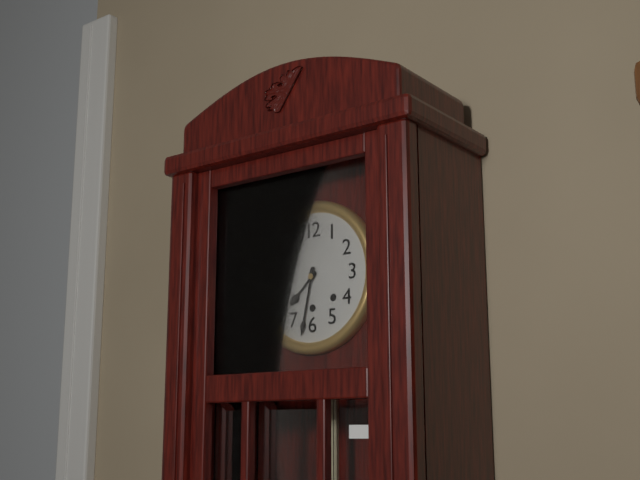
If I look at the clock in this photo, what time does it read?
7:32
